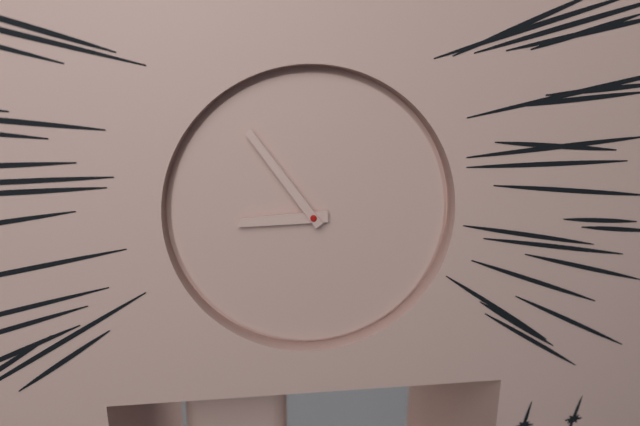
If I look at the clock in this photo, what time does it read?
8:54
